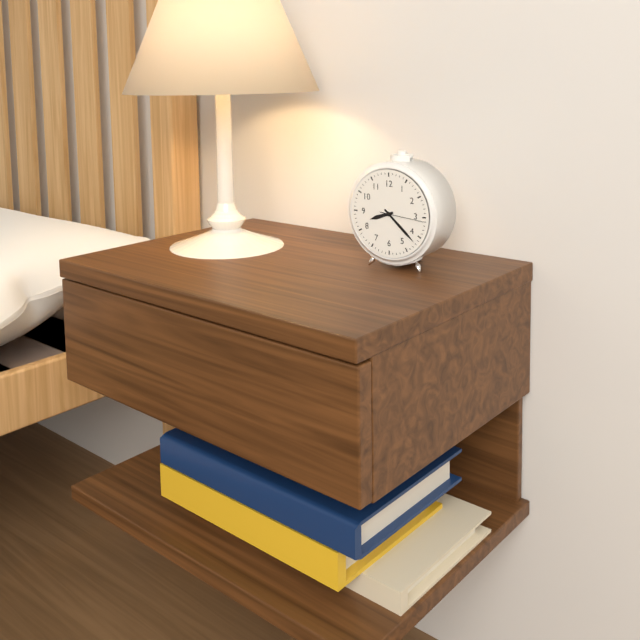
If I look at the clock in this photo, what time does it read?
8:22
